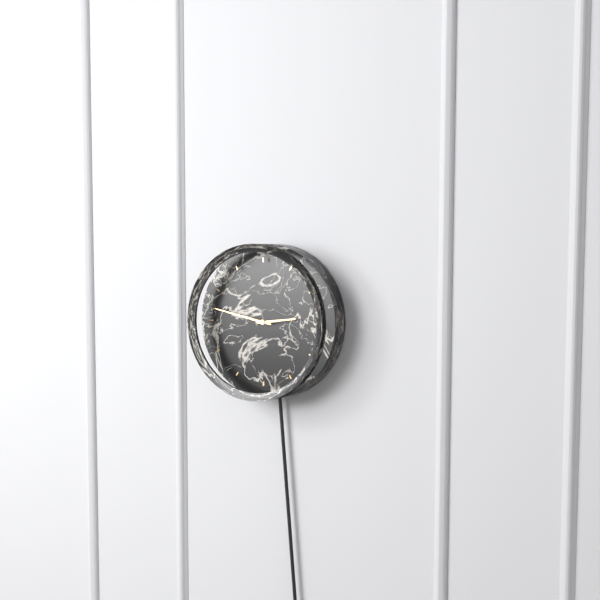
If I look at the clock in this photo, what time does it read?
2:47
